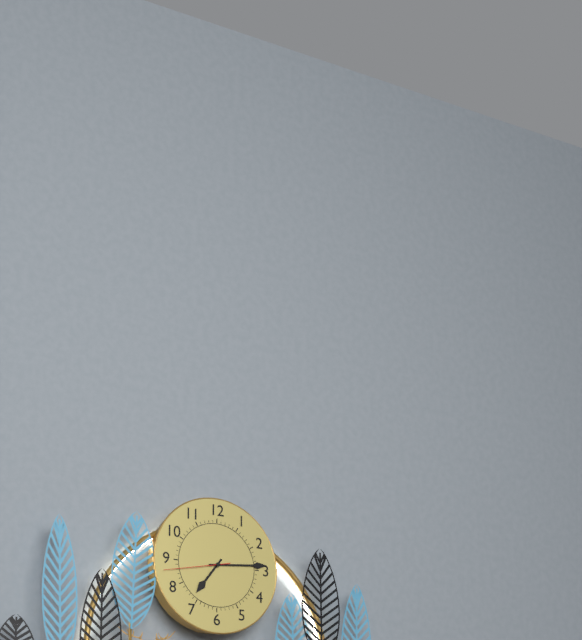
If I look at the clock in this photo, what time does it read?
7:14:43
